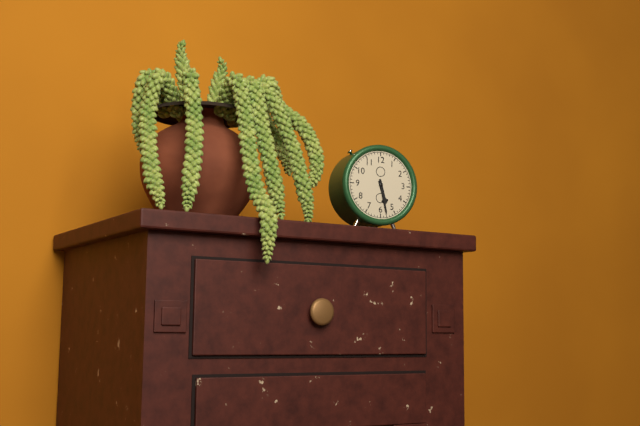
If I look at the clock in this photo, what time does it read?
5:28
